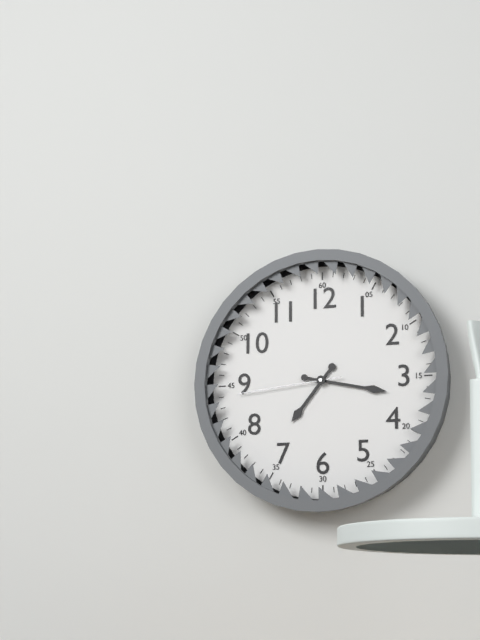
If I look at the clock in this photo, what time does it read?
7:17:44
